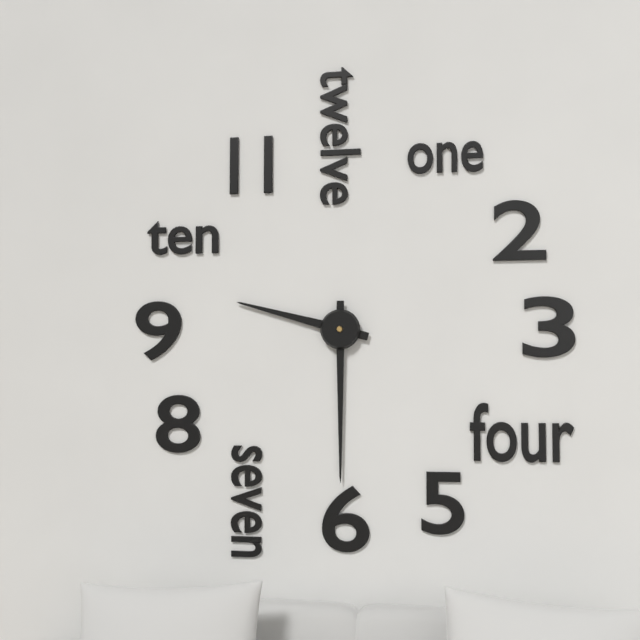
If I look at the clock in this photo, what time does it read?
9:30
